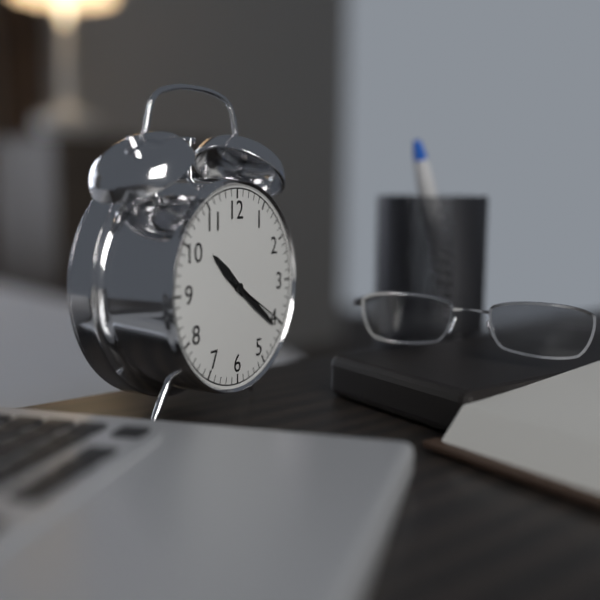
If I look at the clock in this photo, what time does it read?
10:21:20
